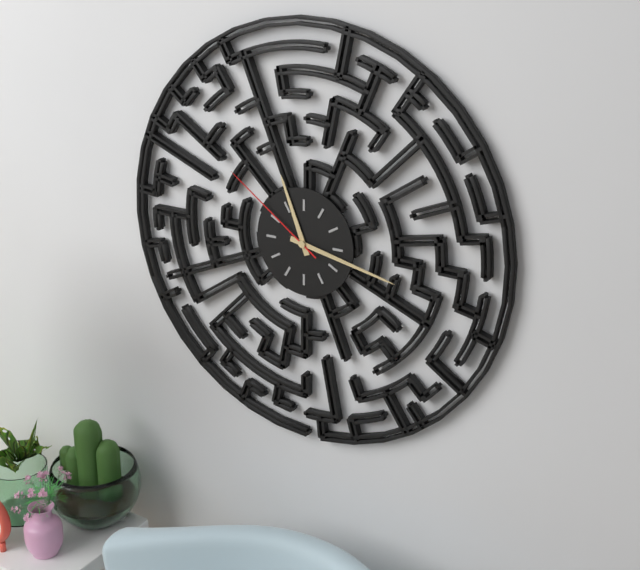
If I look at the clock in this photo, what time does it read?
11:17:51
